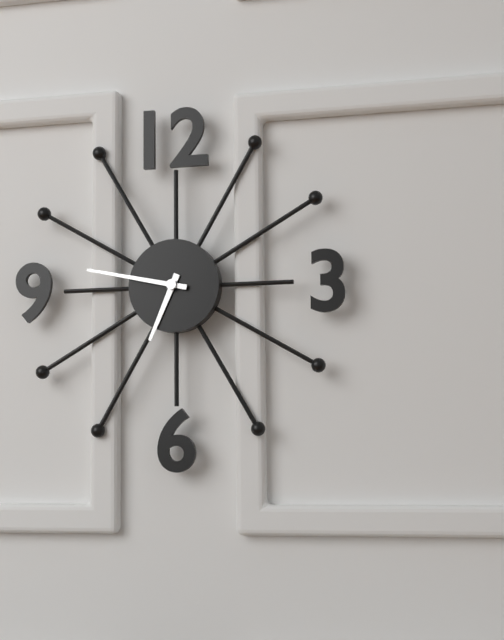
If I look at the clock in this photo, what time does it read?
6:47
